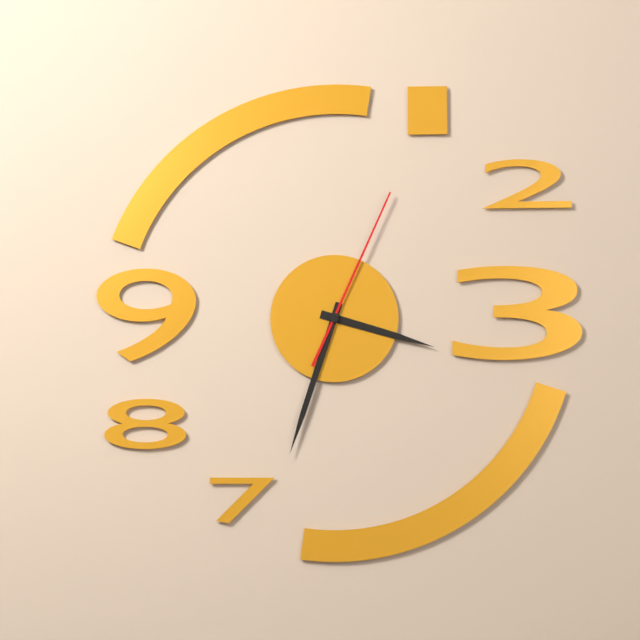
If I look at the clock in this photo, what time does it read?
3:33:04
